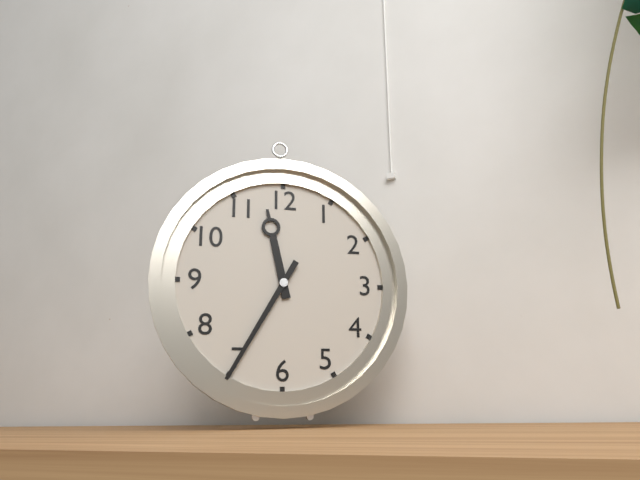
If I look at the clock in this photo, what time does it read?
11:35
